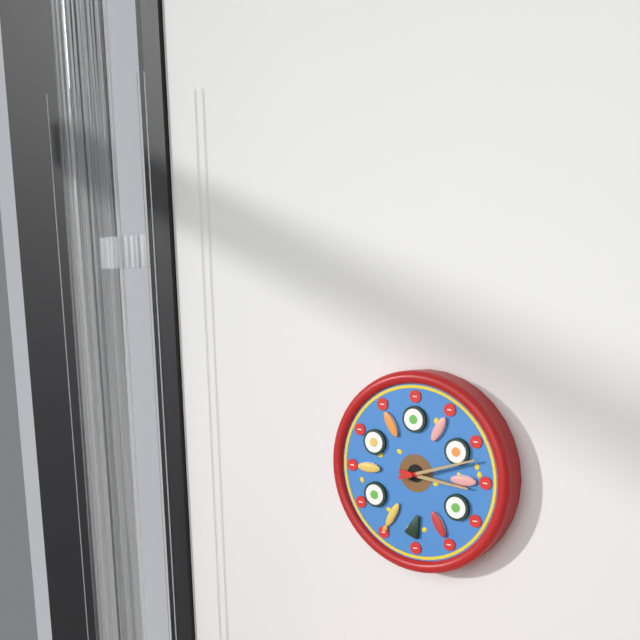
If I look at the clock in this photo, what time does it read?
3:12
